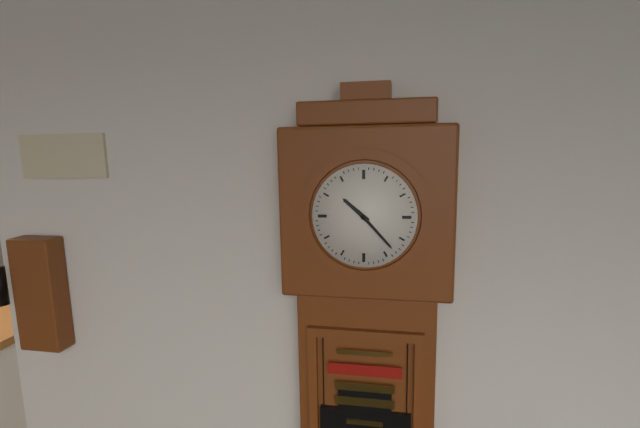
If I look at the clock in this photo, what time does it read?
10:23
